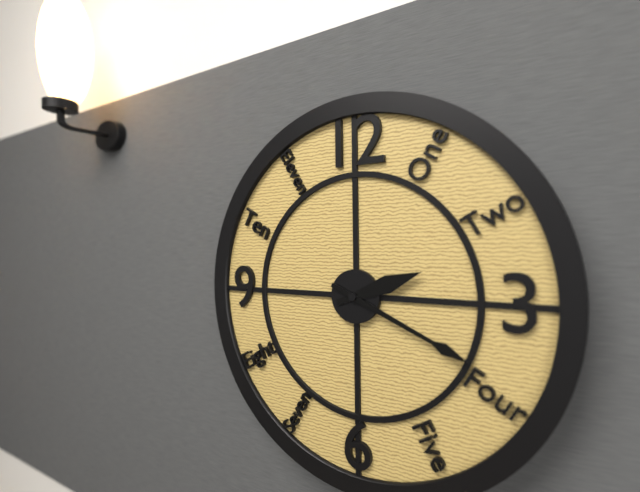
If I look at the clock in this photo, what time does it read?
2:19
